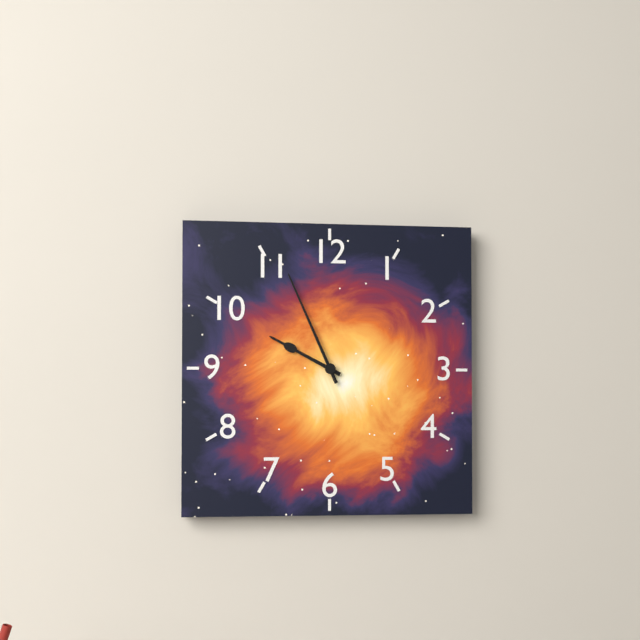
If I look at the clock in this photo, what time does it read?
9:56
